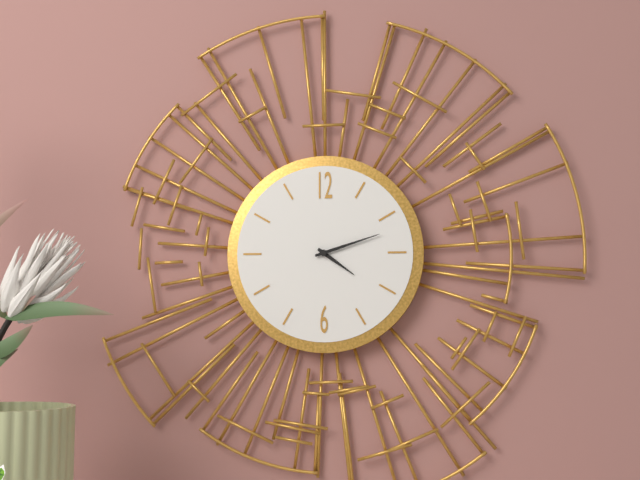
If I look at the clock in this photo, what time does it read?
4:12
